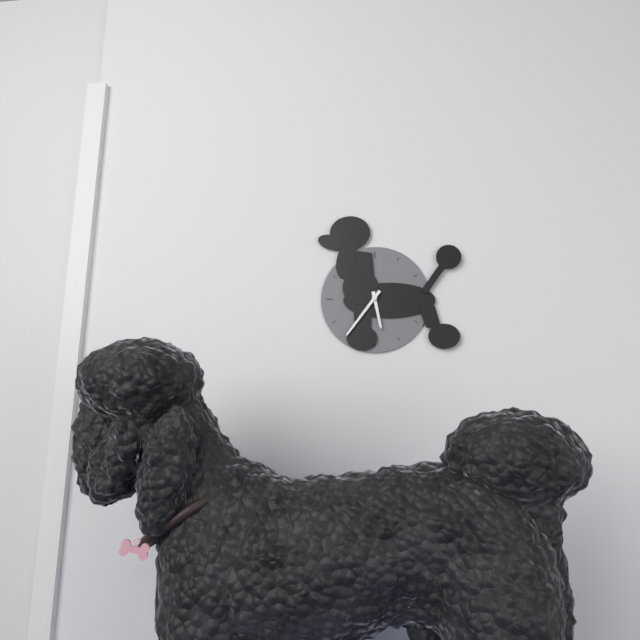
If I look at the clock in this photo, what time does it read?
5:36
